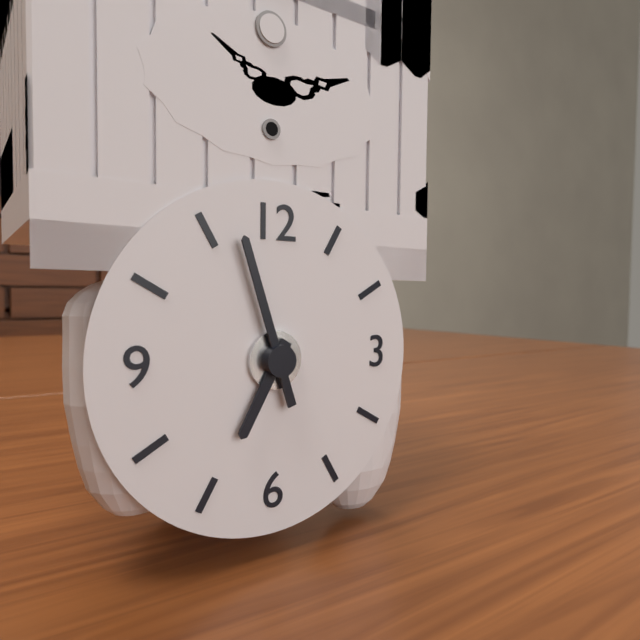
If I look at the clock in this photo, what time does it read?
6:57
